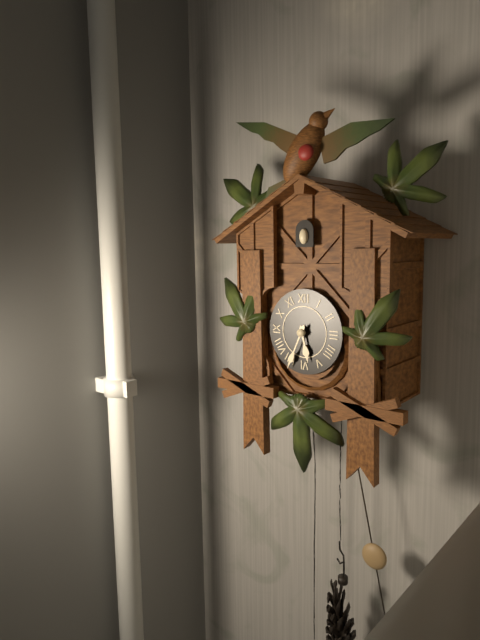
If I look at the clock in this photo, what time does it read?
5:34
